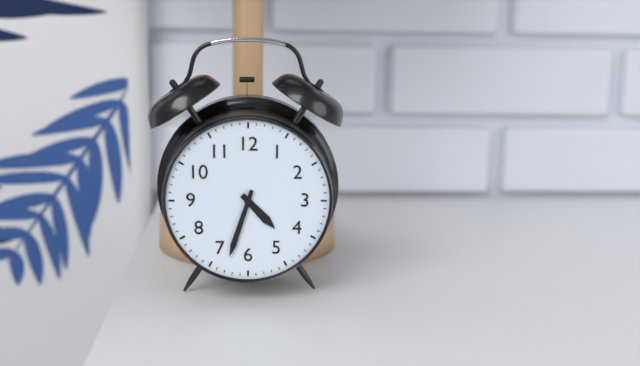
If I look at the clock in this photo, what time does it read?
4:33
